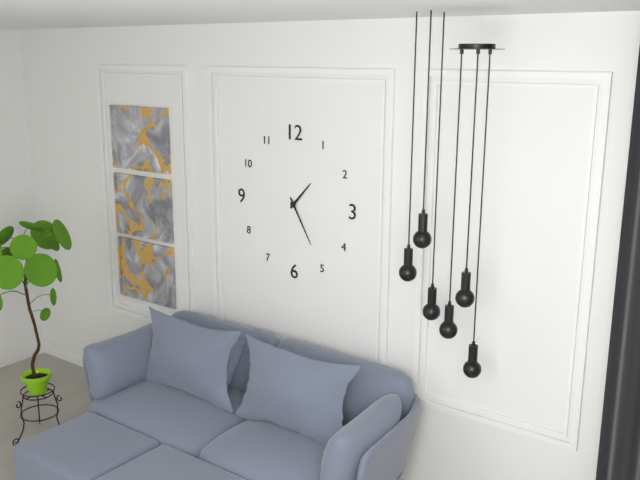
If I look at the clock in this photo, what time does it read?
1:25
